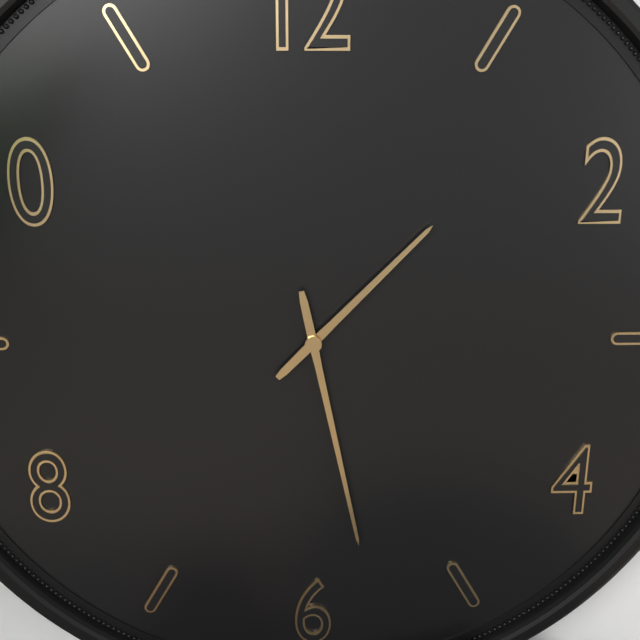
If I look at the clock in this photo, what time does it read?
1:28
